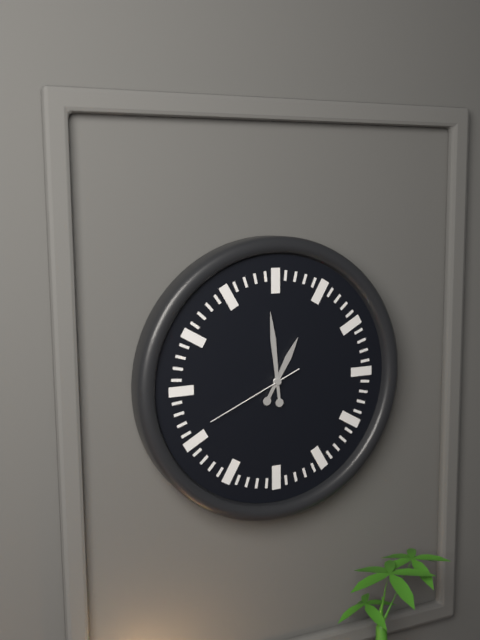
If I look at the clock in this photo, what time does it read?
12:59:41
